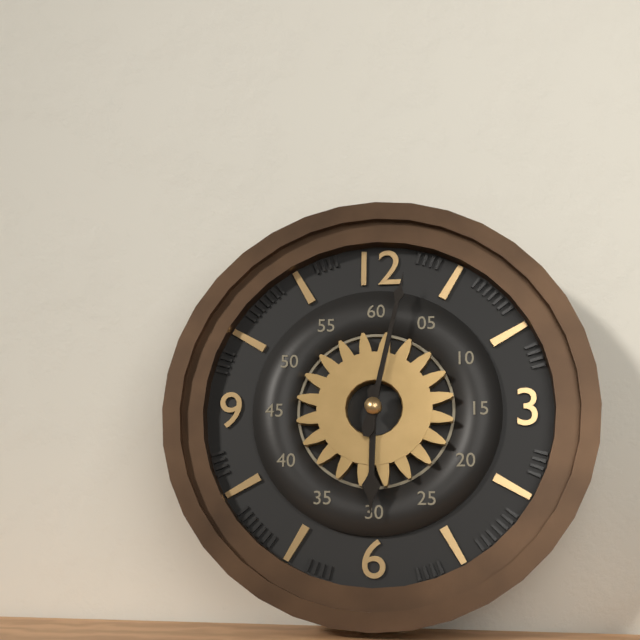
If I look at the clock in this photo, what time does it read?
6:02
